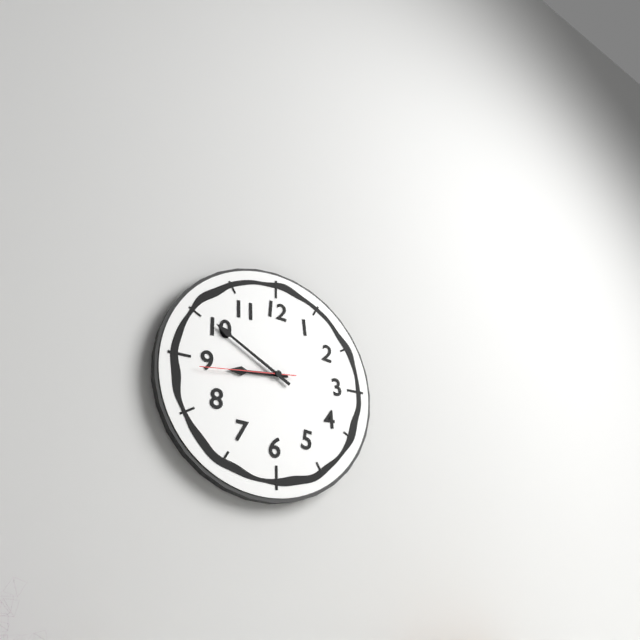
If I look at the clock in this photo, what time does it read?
8:50:44
